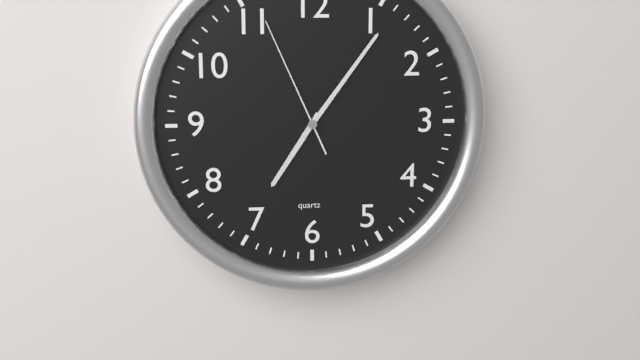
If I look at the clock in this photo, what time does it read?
7:06:56
